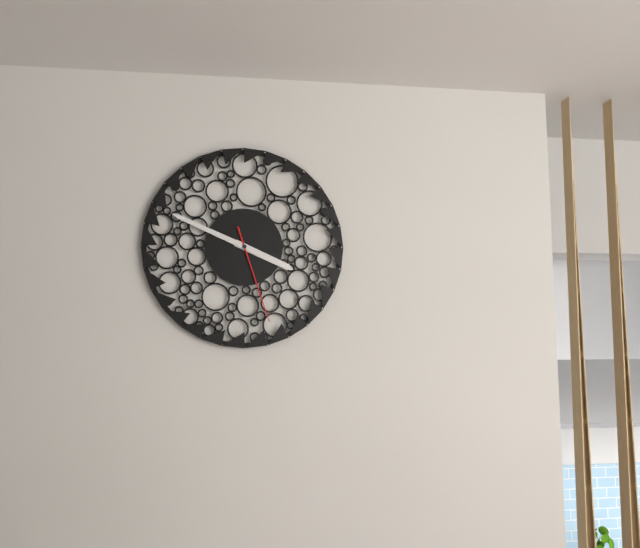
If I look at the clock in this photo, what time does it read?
3:49:27
